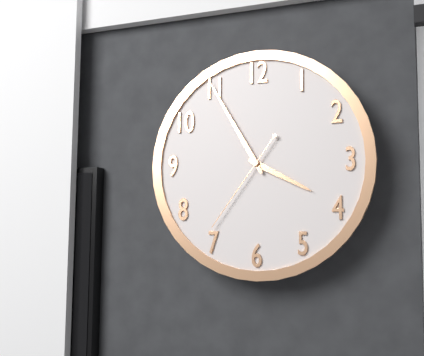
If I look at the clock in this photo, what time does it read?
3:55:36
